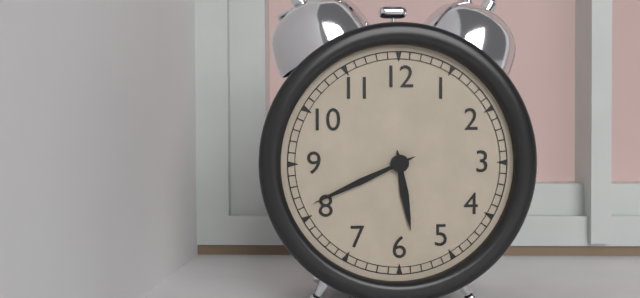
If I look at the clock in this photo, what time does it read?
5:41
